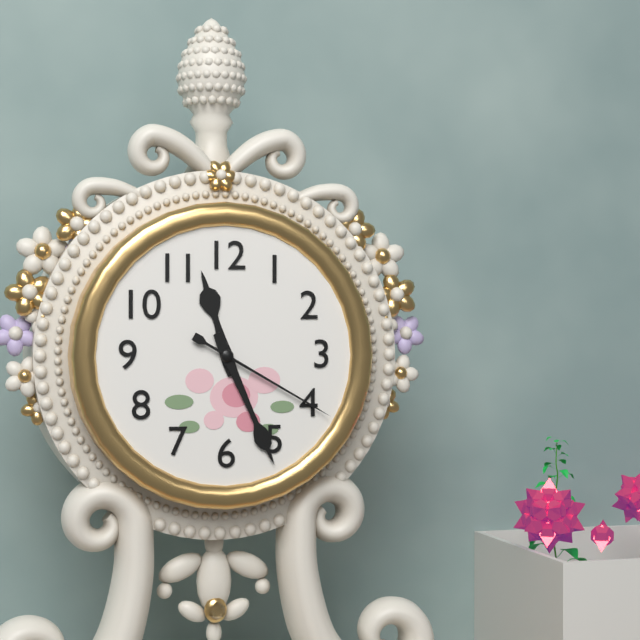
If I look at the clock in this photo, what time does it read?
11:26:20
